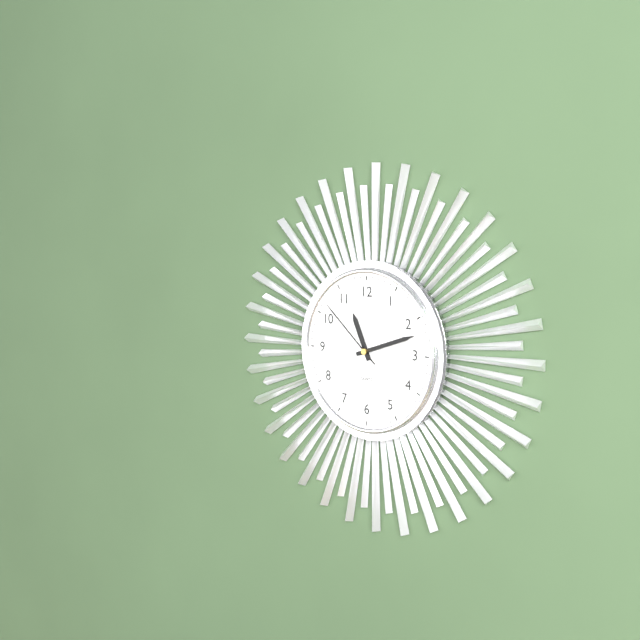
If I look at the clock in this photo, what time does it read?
11:12:52
